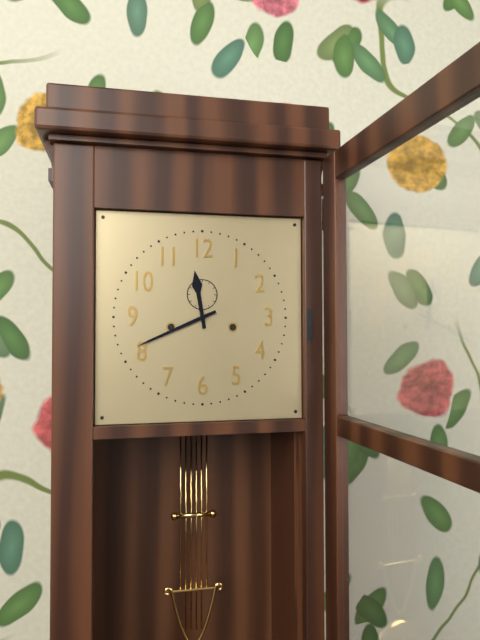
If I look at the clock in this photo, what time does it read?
11:41
